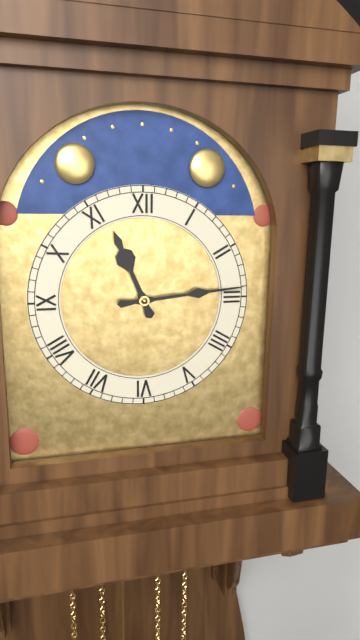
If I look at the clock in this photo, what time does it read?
11:14
